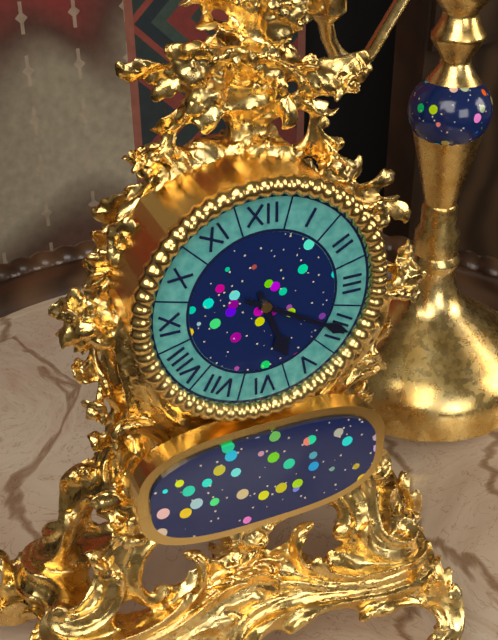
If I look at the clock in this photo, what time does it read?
5:20
